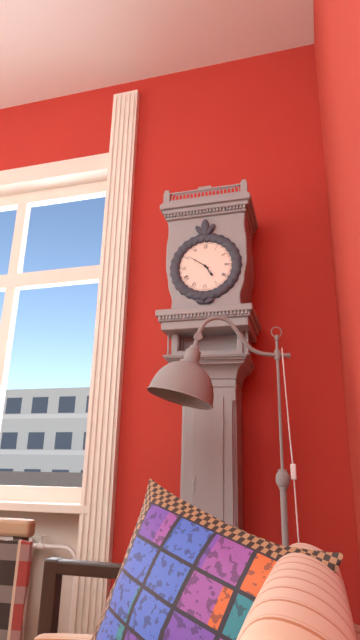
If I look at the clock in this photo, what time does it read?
4:51
